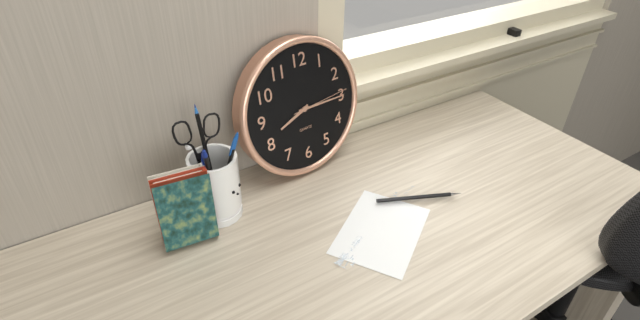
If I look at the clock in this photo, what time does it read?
8:15:14
